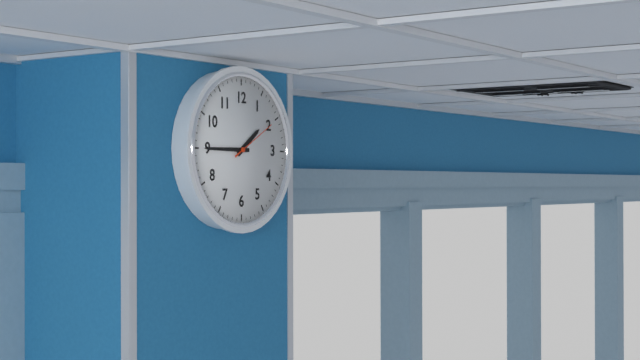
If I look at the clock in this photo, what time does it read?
1:45
